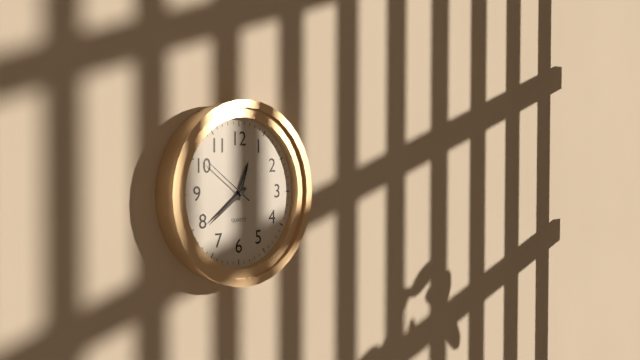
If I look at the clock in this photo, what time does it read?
12:39:51
